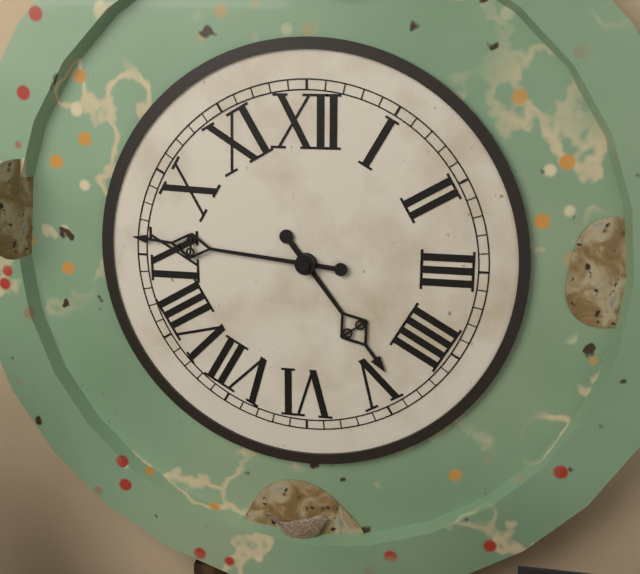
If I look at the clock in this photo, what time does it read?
4:46
